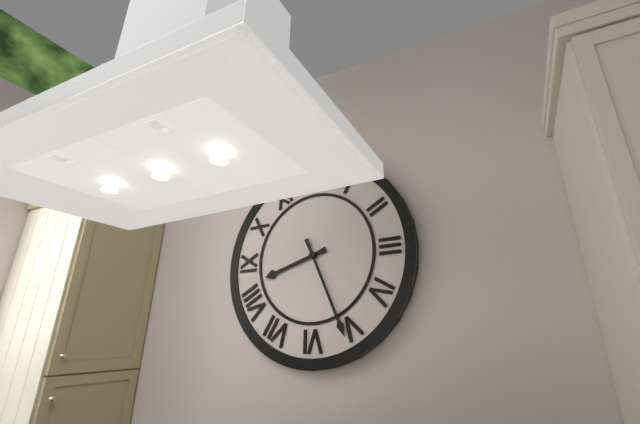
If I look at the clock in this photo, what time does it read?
8:26
